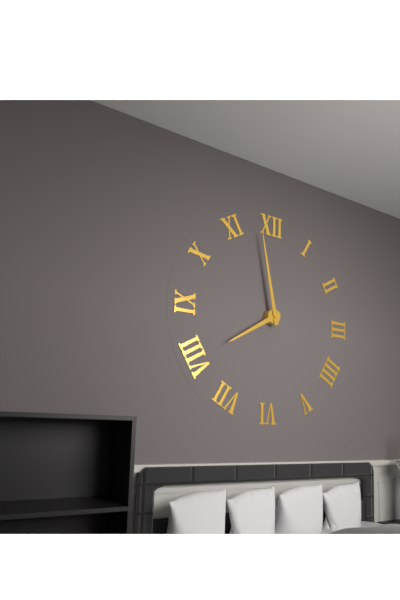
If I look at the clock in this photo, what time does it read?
7:58
